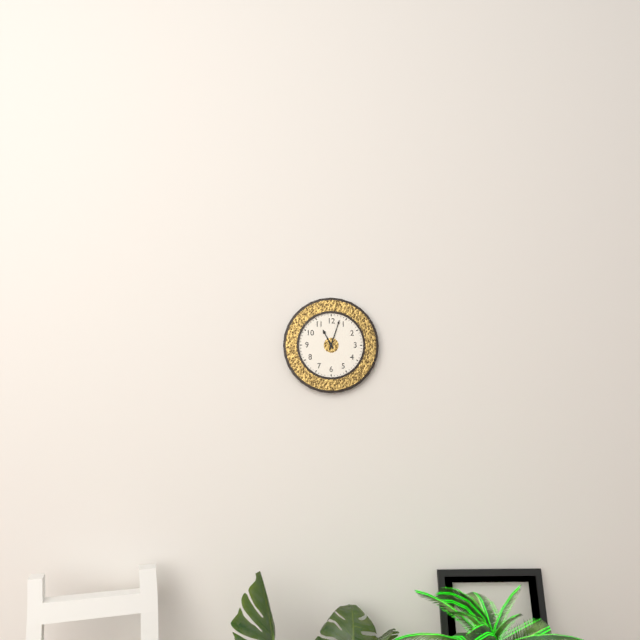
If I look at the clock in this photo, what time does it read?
11:03
